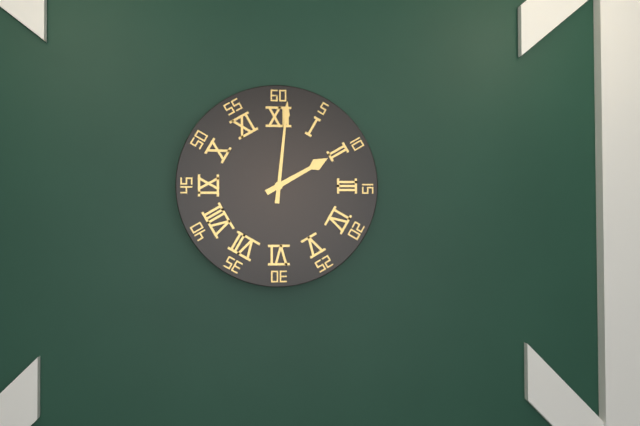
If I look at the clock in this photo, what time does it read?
2:01
